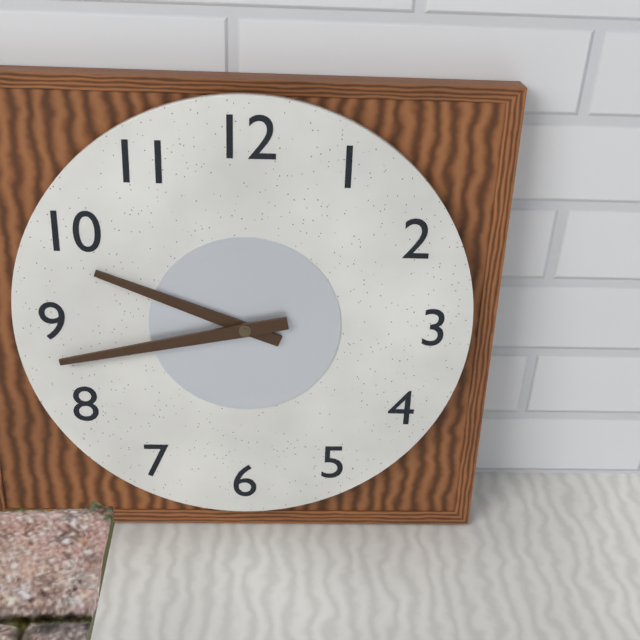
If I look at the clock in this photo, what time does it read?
9:43
